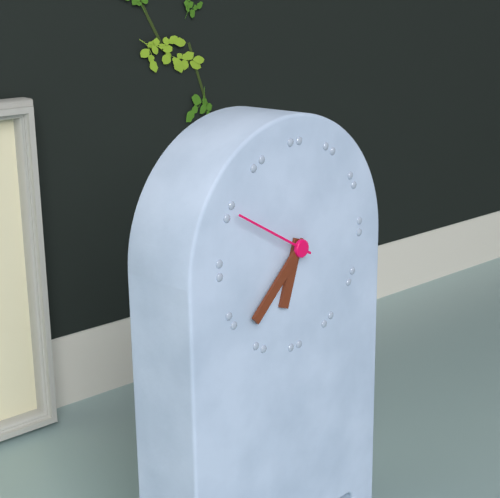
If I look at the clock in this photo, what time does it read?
6:38:50
